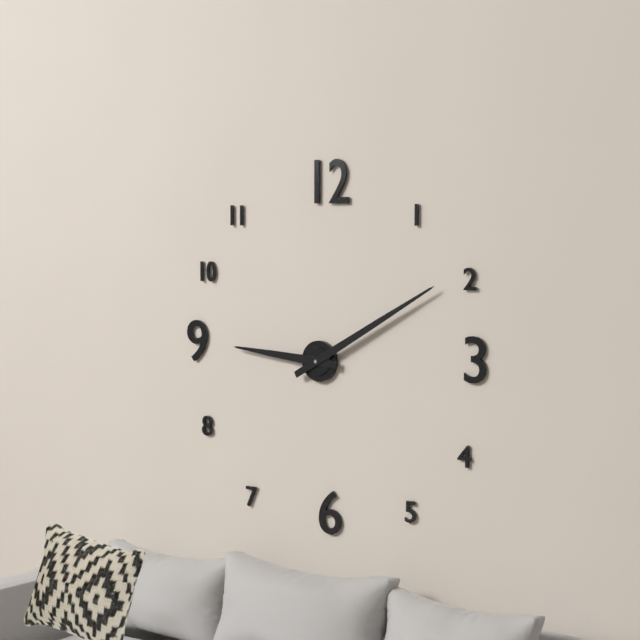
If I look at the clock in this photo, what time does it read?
9:10
